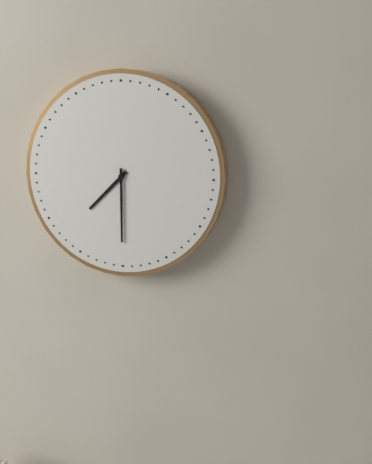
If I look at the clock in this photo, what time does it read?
7:30
